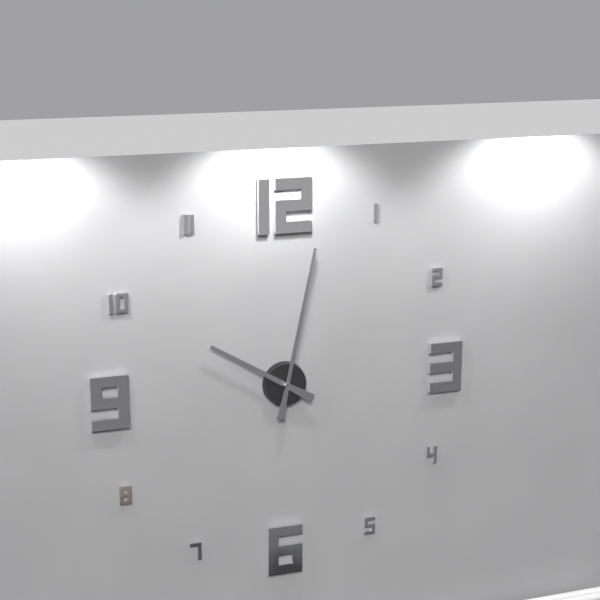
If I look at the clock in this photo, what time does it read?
10:02
